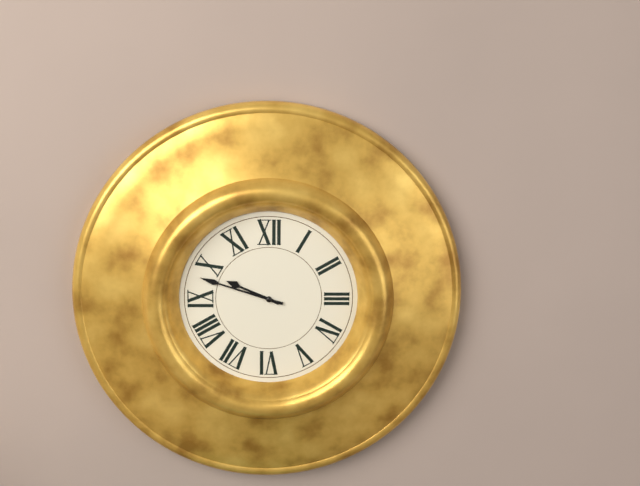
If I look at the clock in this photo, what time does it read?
9:48
